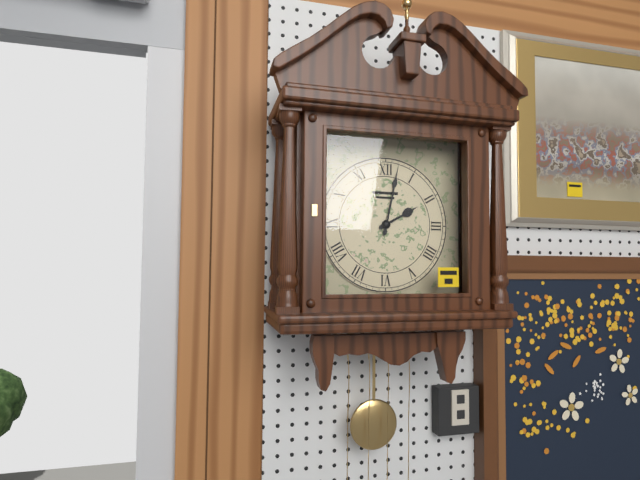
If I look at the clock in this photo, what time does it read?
2:02
